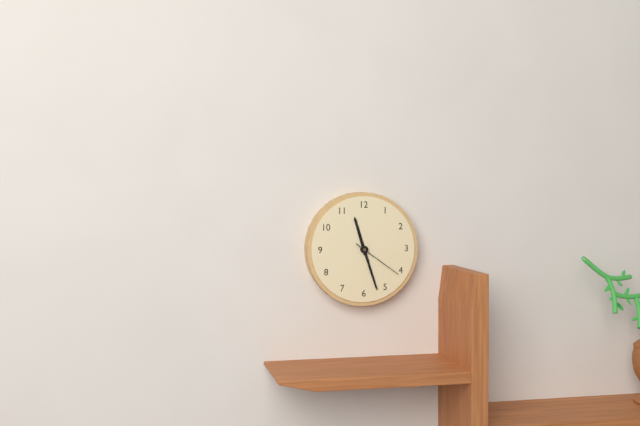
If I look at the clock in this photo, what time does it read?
11:27:21
